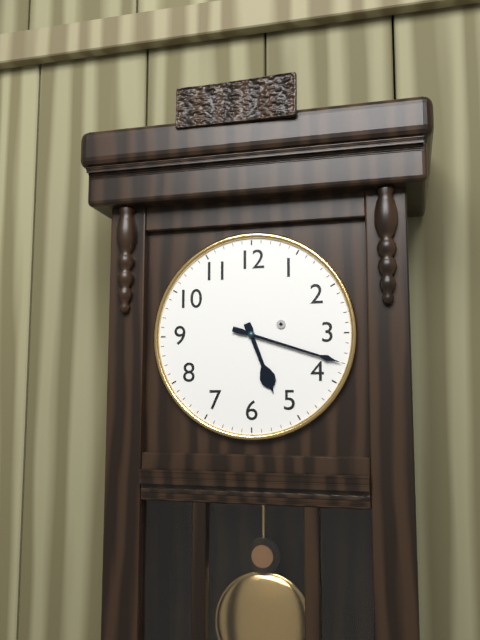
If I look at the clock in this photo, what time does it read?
5:18
